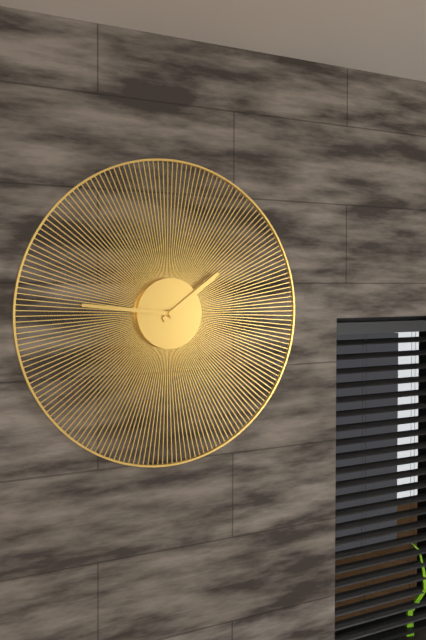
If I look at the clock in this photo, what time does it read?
1:46
